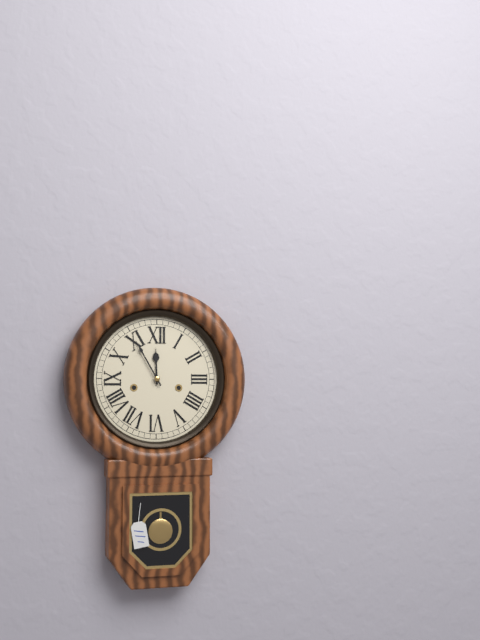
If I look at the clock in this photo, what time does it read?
11:55
